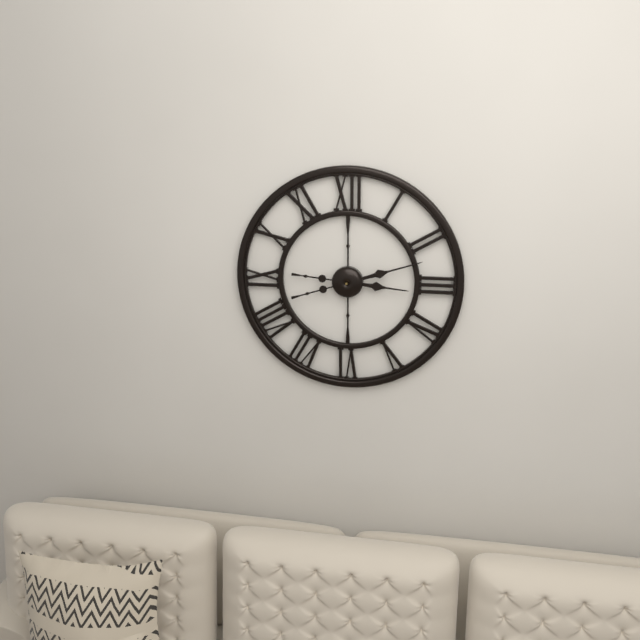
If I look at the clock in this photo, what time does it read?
3:12
